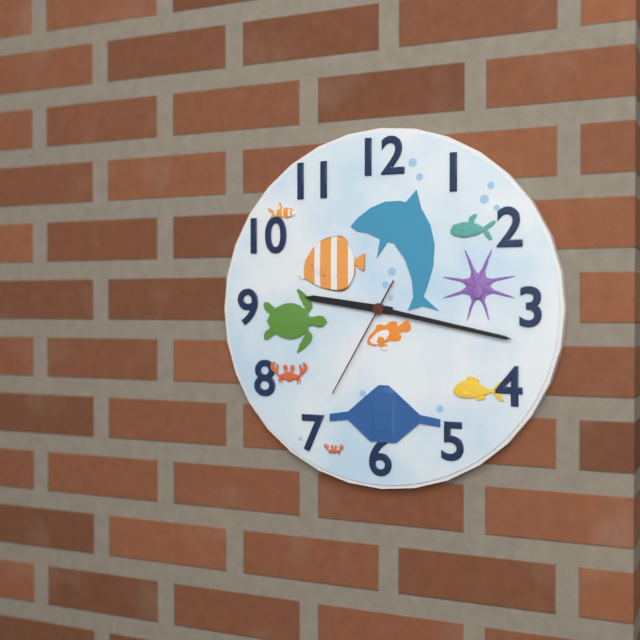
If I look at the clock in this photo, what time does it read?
9:17:35
